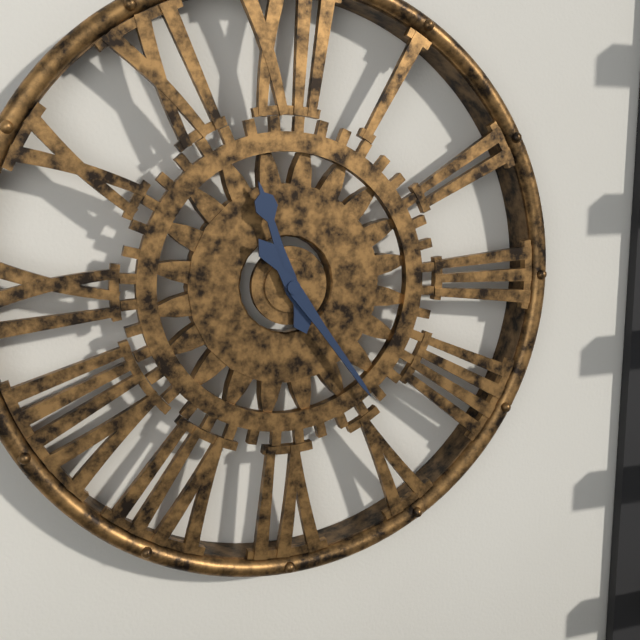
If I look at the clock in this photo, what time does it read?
11:24
